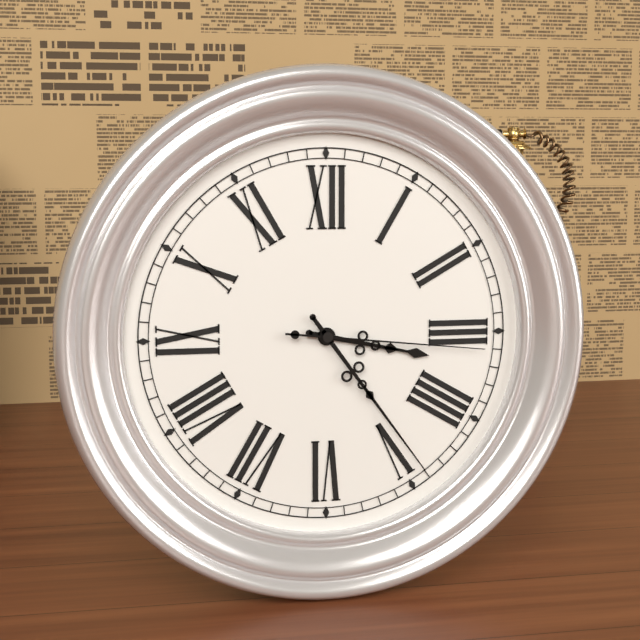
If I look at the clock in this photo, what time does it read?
3:24:16
